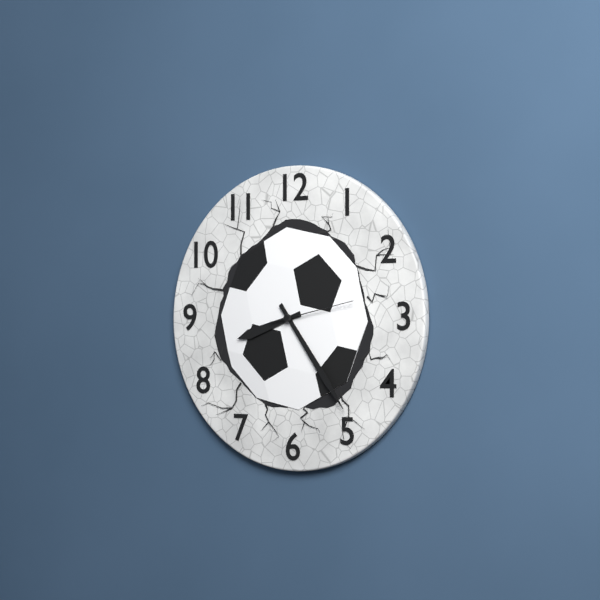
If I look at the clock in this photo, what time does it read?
8:24:13
